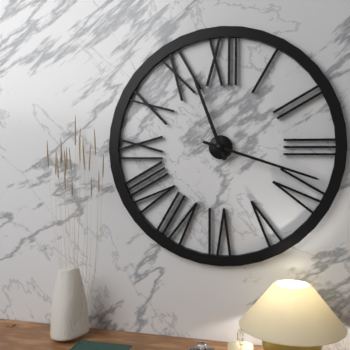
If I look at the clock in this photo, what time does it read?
11:18
